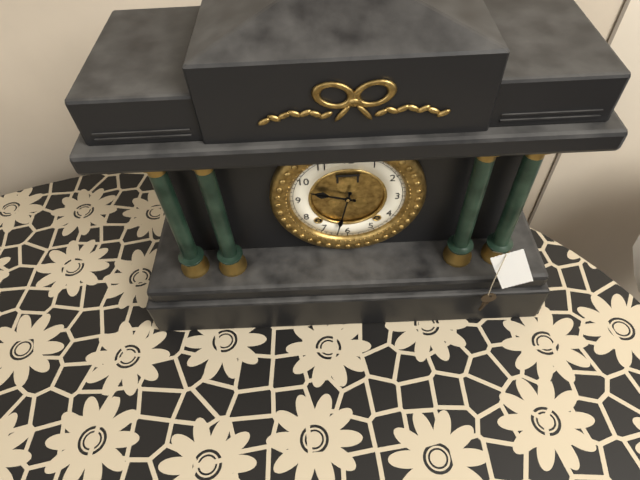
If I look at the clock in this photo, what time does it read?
9:32
